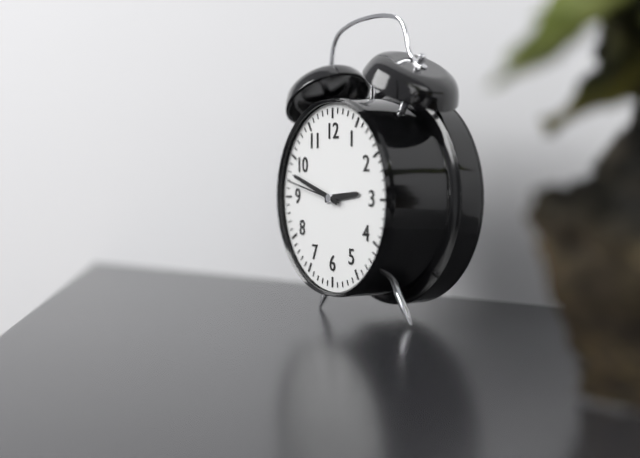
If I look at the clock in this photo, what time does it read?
2:48:47
